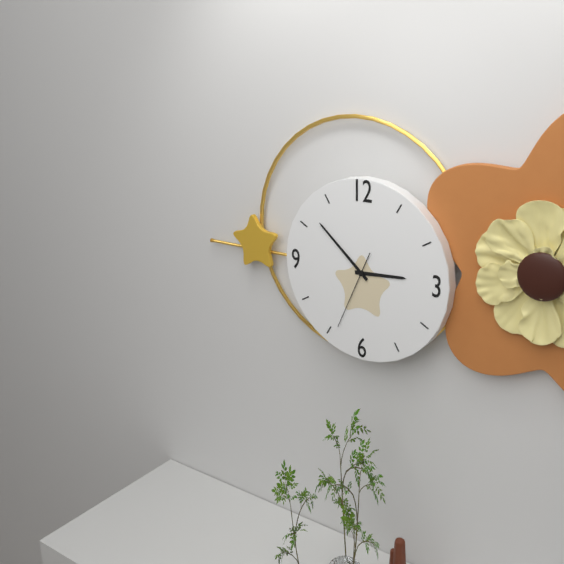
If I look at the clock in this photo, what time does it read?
2:52:34
